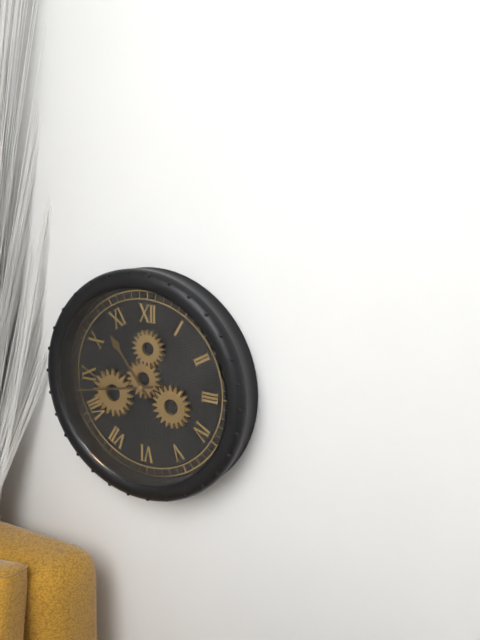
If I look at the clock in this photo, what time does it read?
10:43
